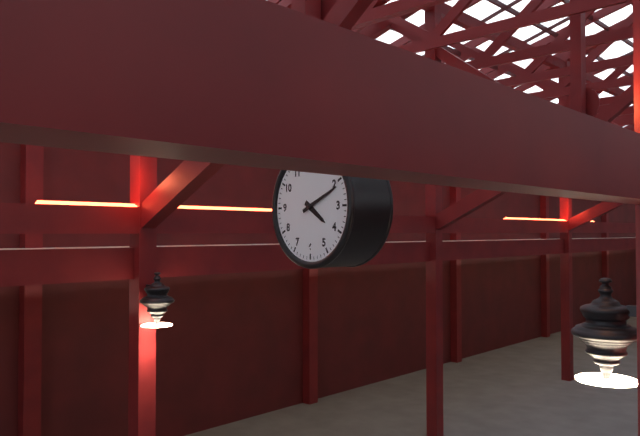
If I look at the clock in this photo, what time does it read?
4:11
